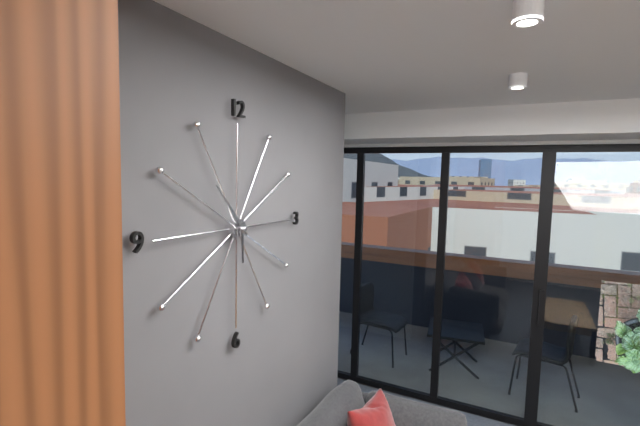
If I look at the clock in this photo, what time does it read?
5:53
